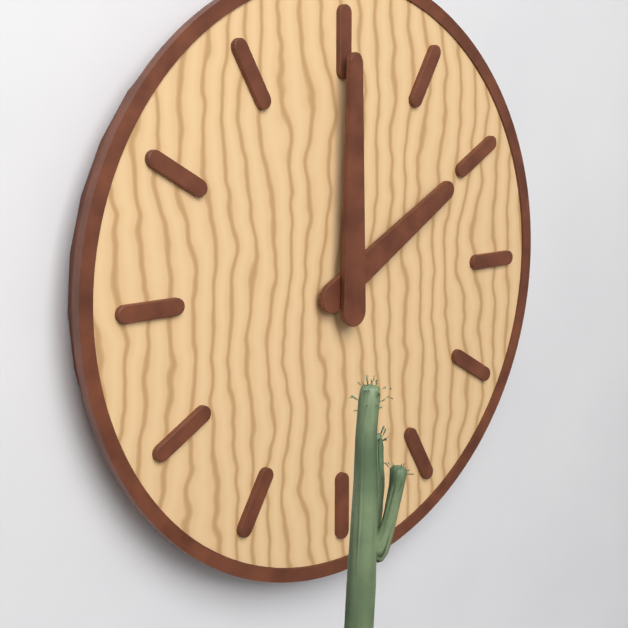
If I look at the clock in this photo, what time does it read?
2:00
